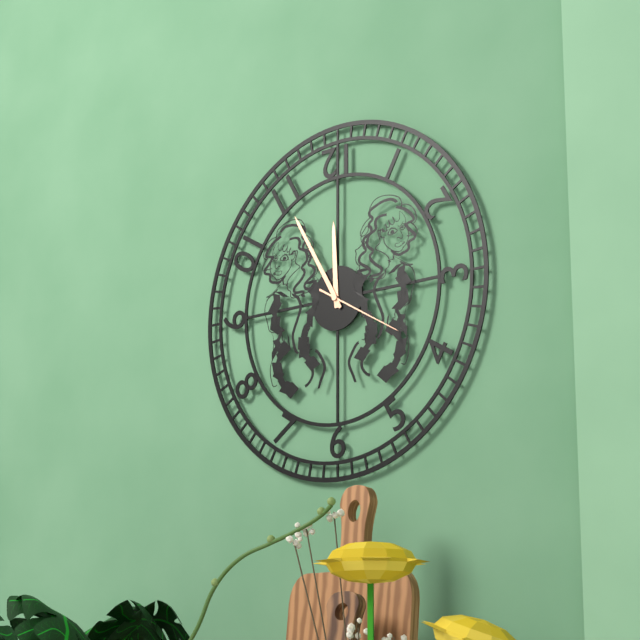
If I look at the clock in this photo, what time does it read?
11:55:20
